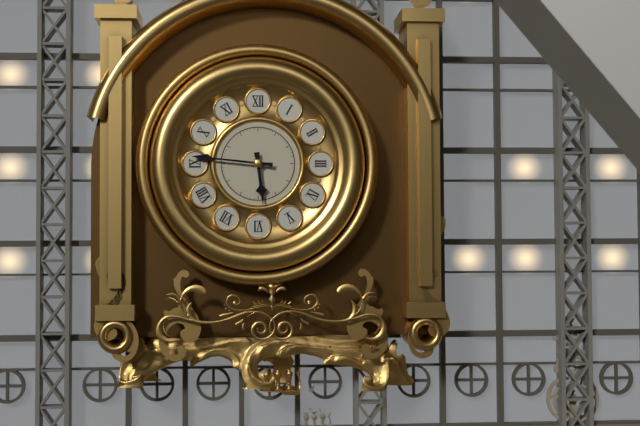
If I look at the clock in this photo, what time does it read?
5:46
